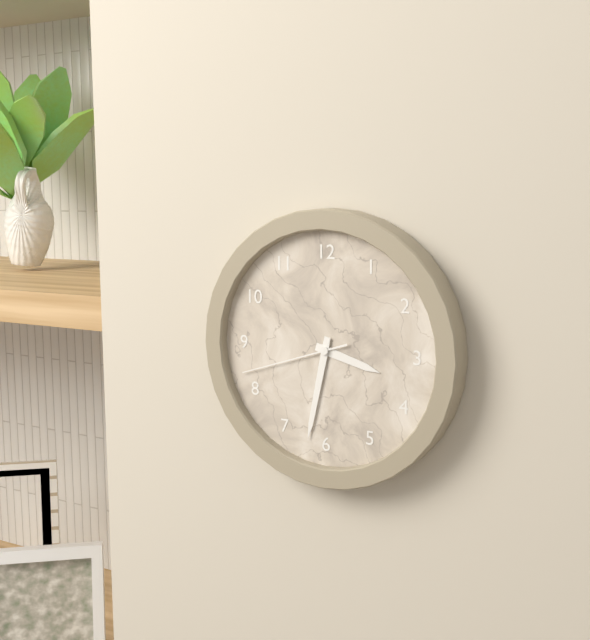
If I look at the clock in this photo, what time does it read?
3:32:42
